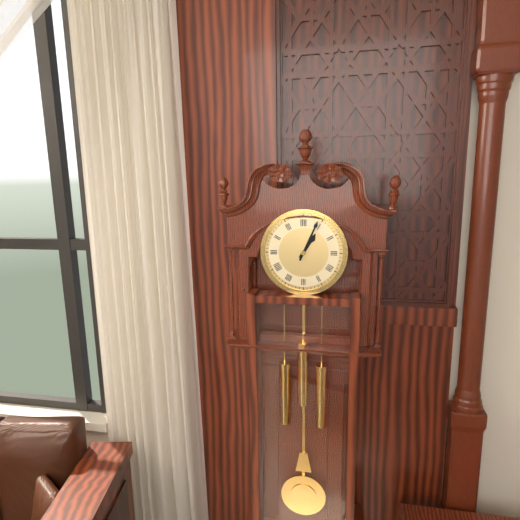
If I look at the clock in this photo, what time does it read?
1:04
